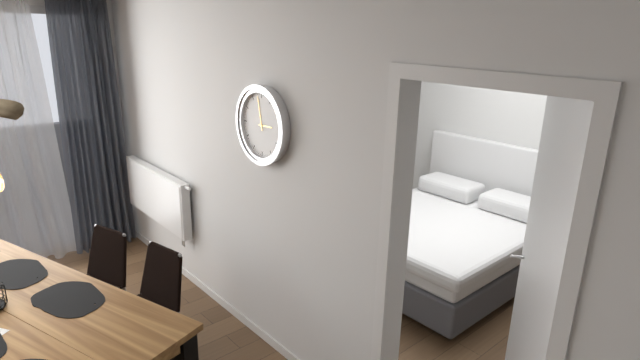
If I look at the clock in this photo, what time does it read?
2:58
